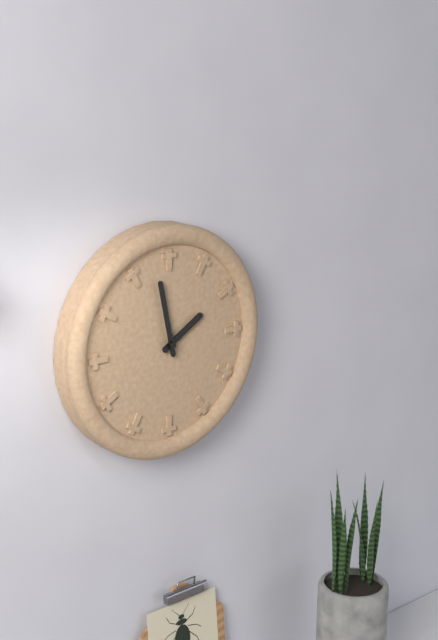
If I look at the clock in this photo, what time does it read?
1:58
